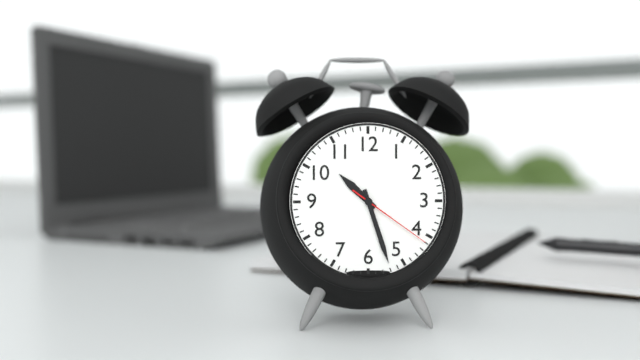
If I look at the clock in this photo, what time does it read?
10:27:21
